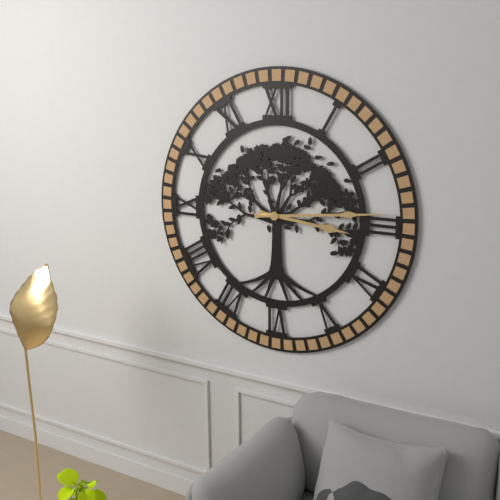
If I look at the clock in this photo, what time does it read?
3:14
